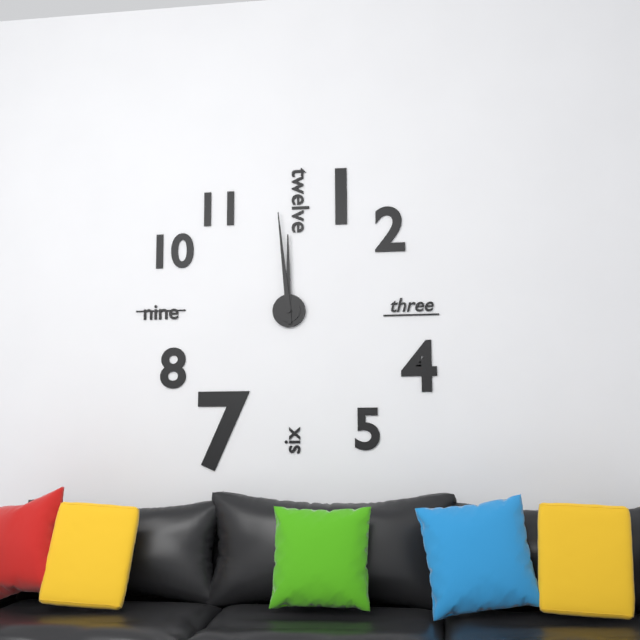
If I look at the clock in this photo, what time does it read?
11:59
